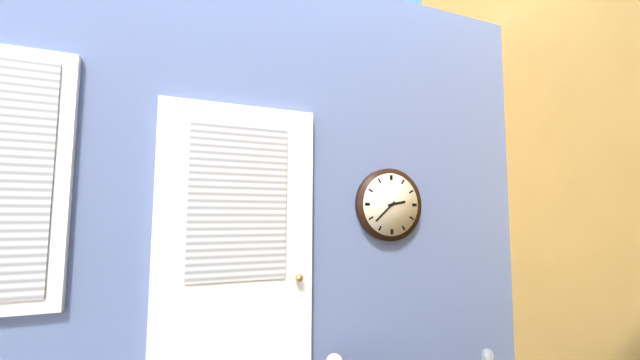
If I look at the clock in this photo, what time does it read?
2:38
